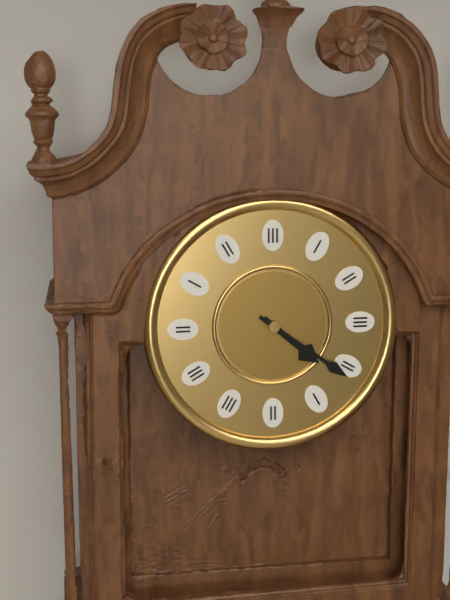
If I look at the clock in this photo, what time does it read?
4:21
